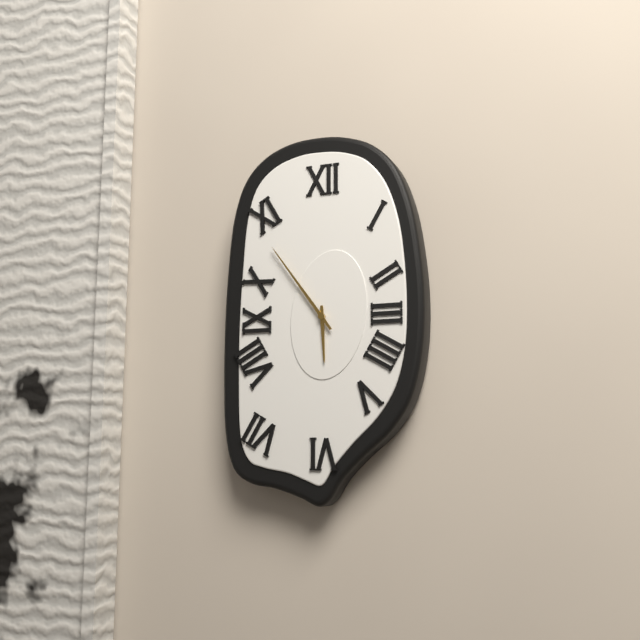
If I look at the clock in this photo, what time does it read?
5:54
